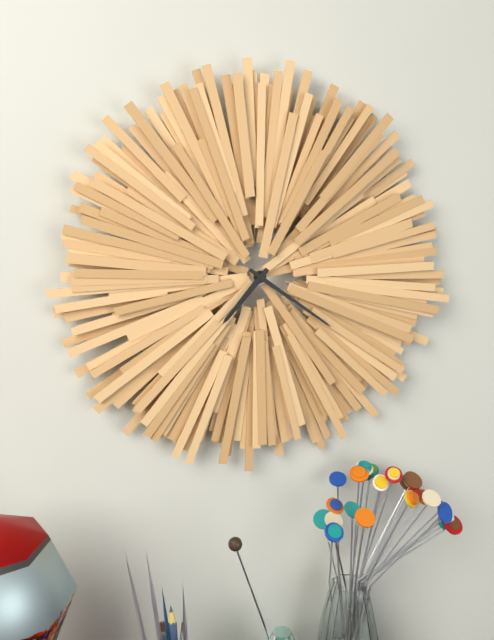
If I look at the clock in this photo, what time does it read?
7:21
